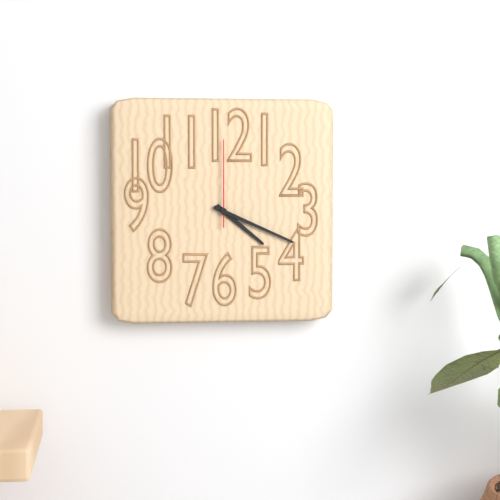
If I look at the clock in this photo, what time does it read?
4:19:00
